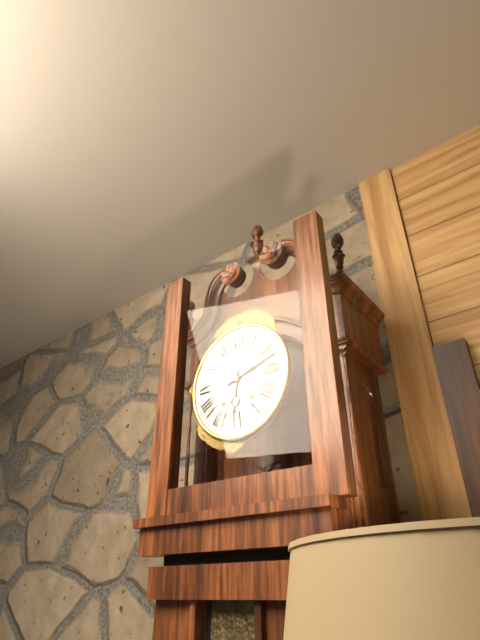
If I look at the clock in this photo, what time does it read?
6:12
